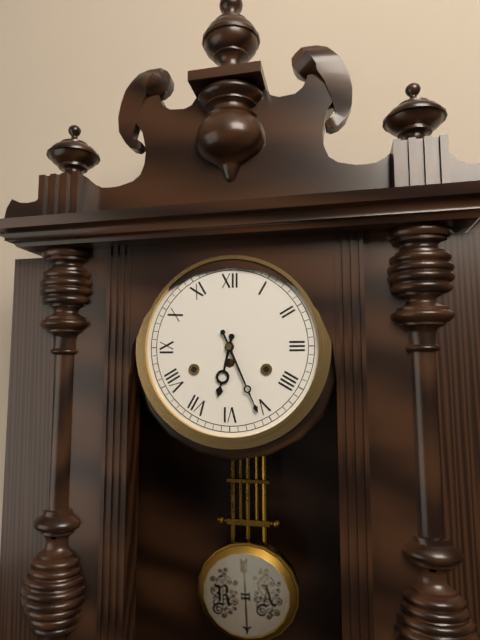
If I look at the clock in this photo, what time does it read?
6:26
